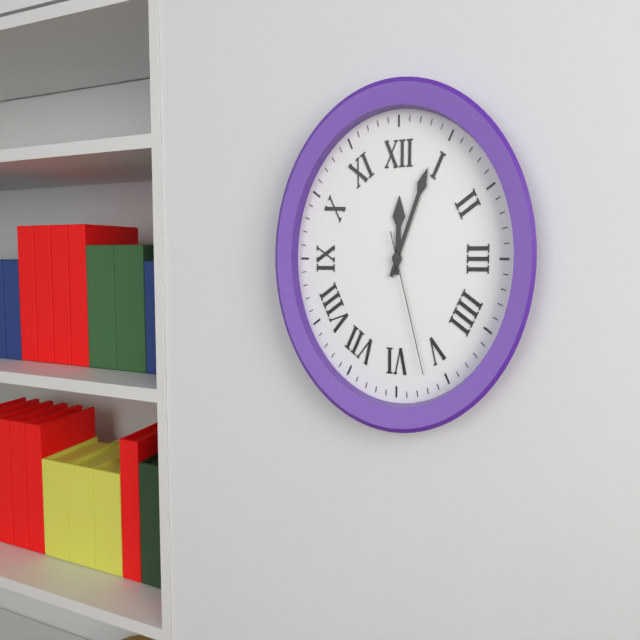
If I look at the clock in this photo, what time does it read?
12:04:27
